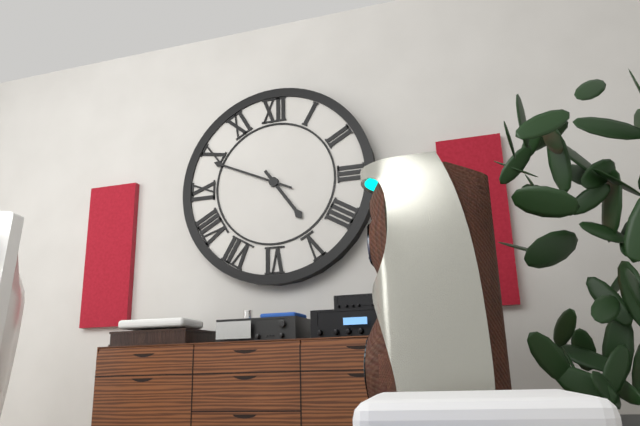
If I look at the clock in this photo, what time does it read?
4:49
